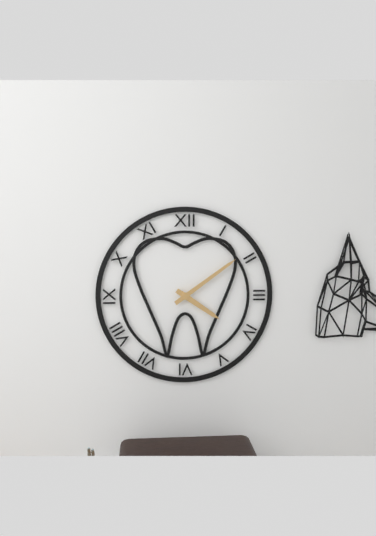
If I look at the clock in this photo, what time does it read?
4:09
